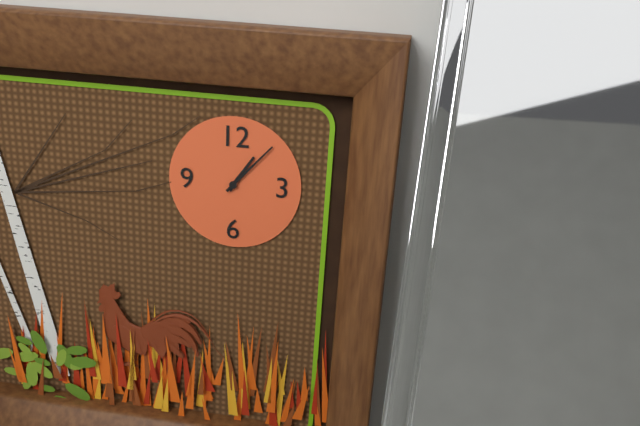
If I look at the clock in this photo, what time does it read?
1:07
